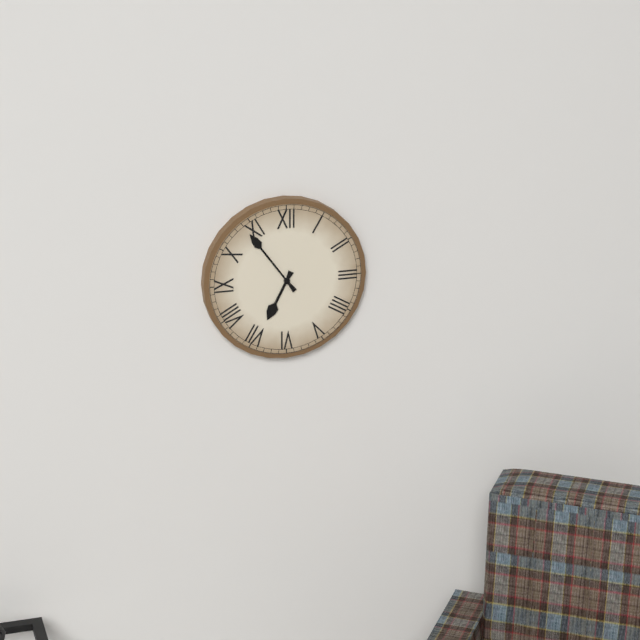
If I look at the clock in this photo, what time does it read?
6:54
